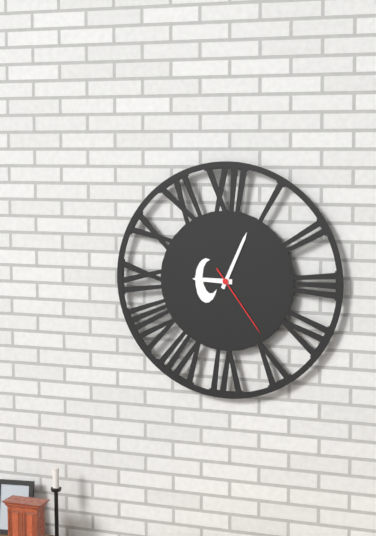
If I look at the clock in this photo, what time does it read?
9:04:24
